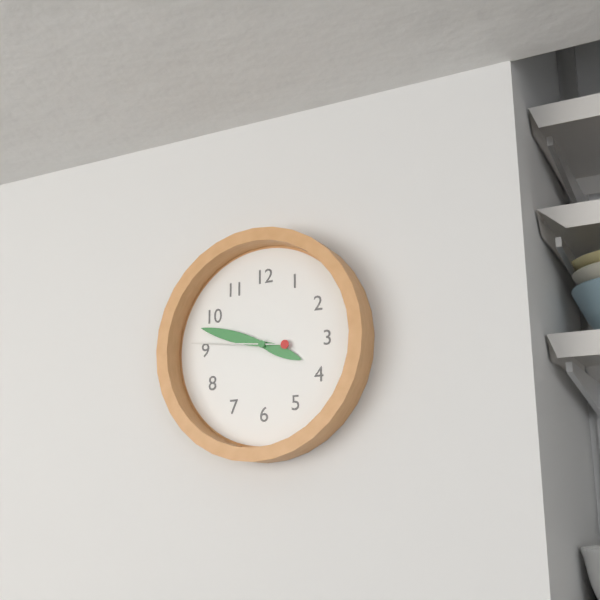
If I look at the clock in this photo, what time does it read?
3:48:46
